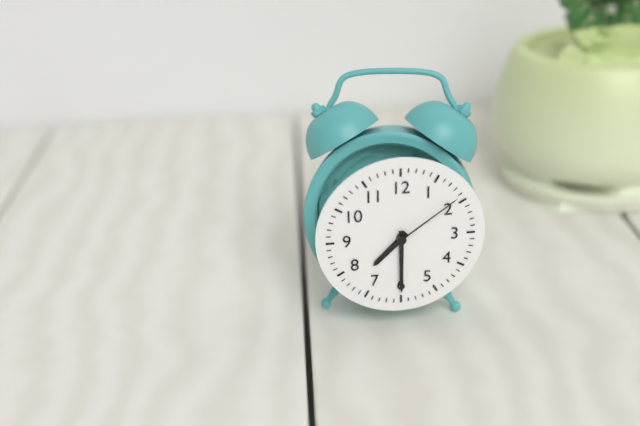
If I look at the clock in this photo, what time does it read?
7:30:09
